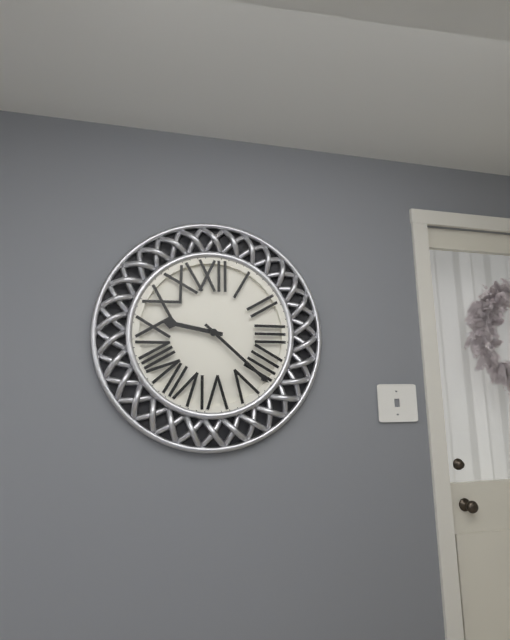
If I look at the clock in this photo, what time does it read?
9:22
